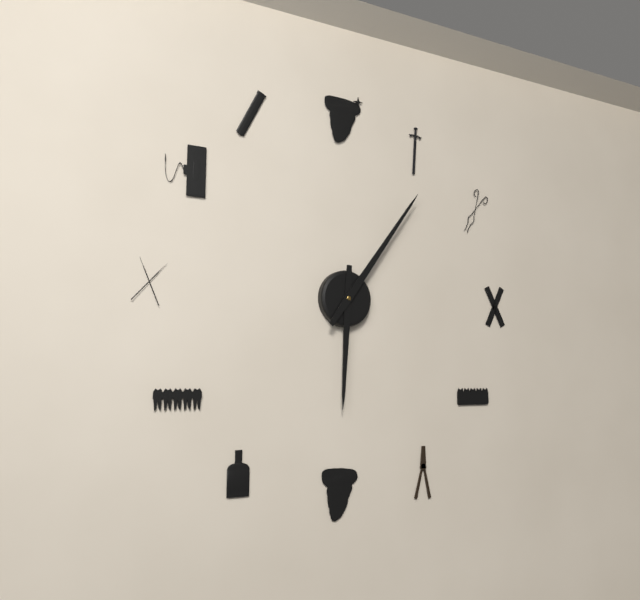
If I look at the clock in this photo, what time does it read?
6:06
